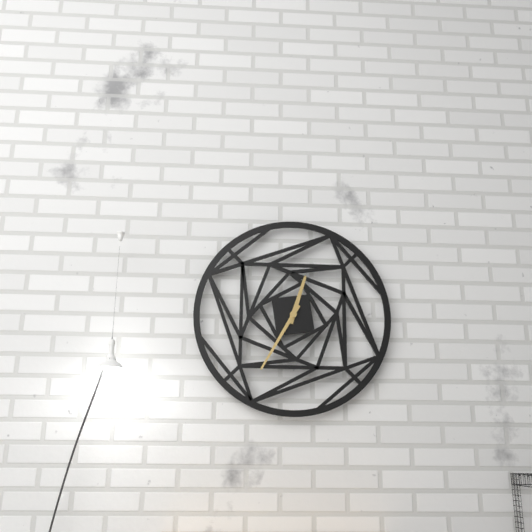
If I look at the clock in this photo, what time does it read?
12:35
